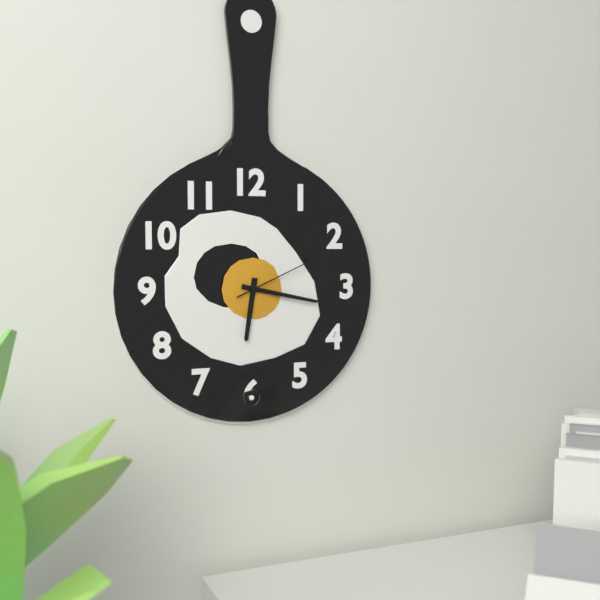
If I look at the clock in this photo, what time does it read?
6:17:11
